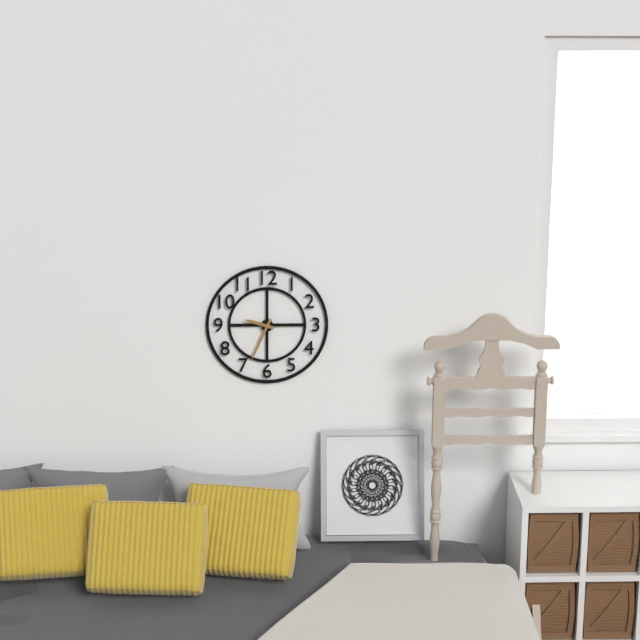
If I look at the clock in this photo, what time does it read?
9:34
